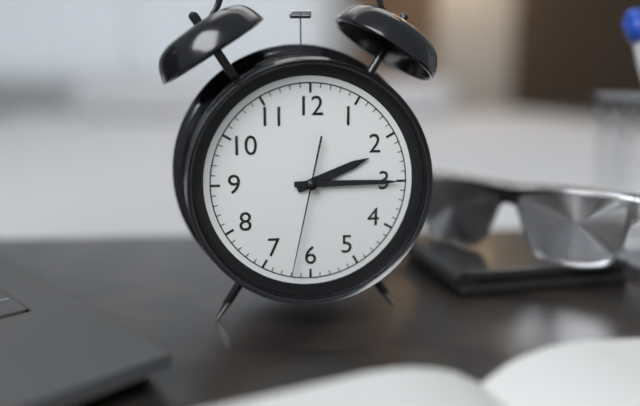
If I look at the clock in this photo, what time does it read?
2:15:32
